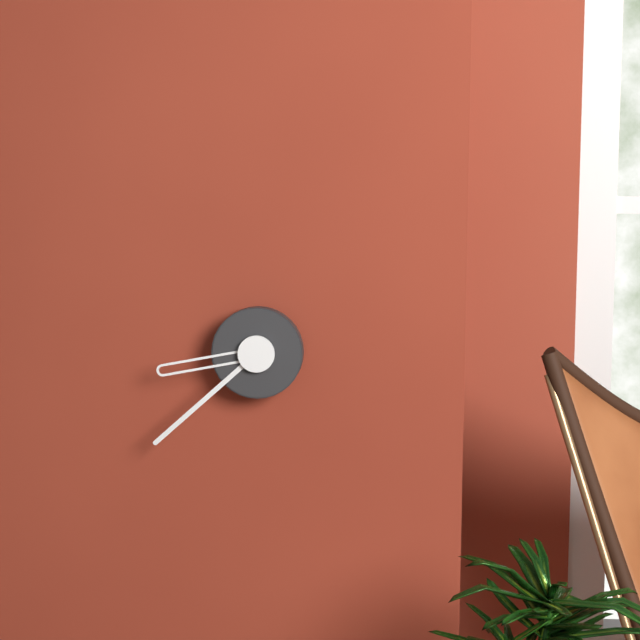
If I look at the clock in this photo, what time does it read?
8:38
